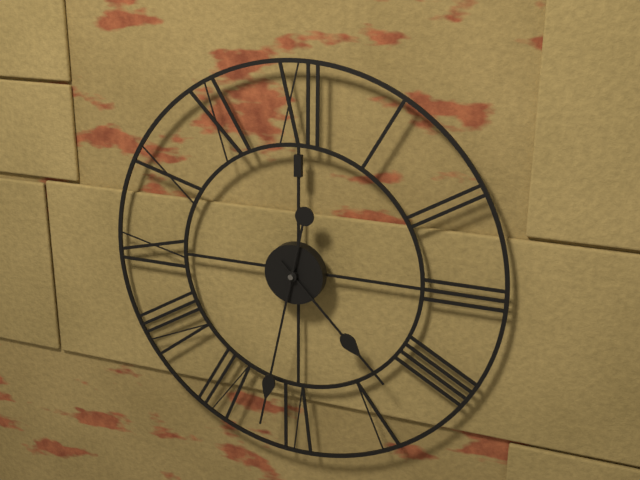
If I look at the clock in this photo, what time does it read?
4:32
